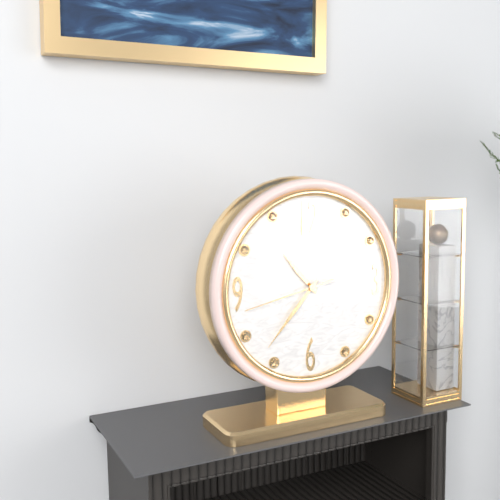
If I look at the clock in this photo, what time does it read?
10:37:43
